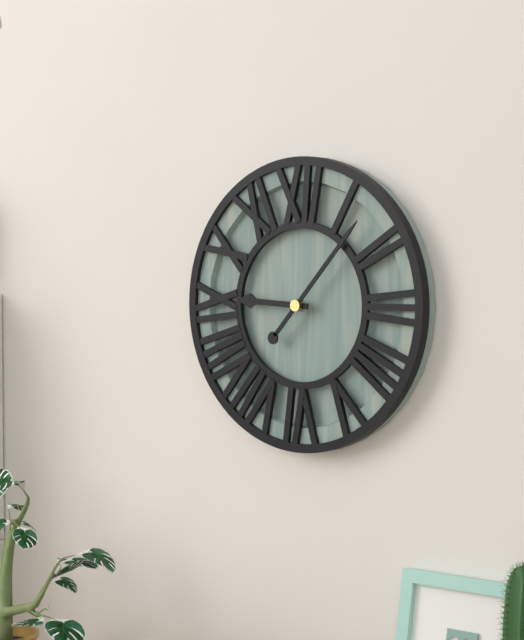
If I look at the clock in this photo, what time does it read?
9:07
